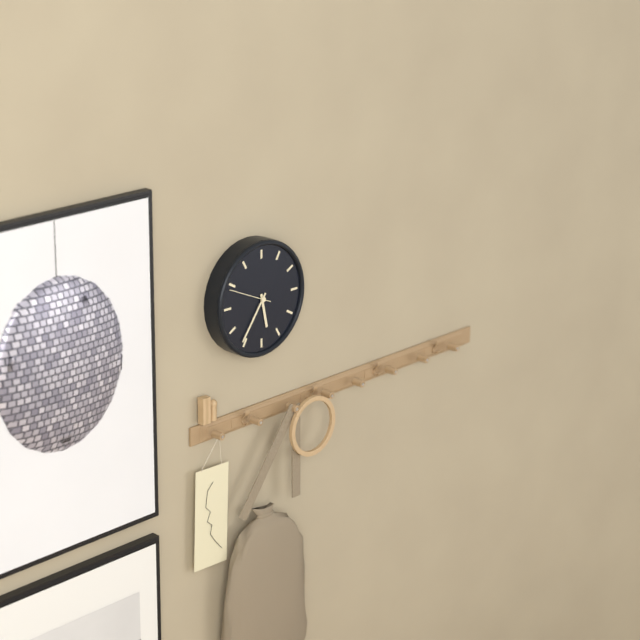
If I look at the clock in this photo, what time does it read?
5:36
